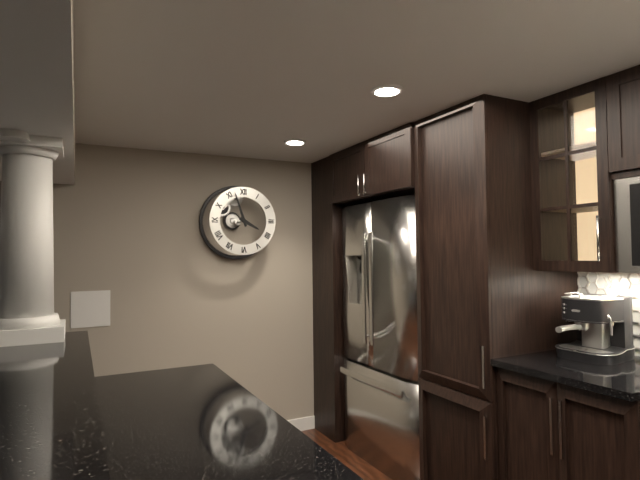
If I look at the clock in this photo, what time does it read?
3:57
